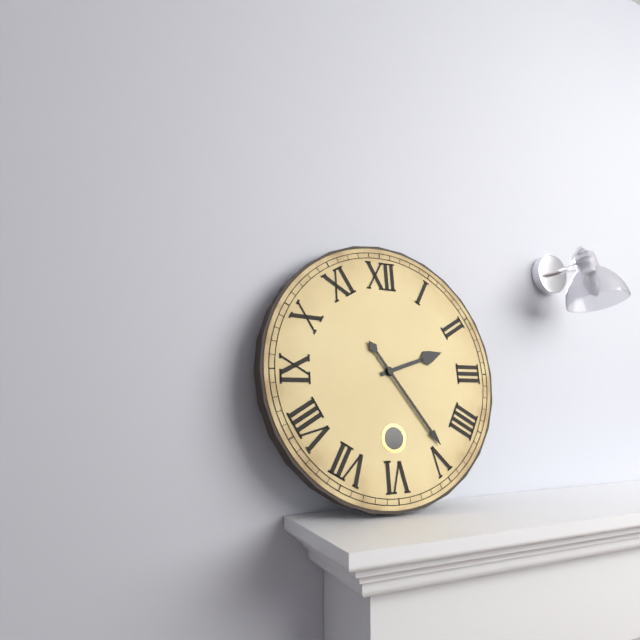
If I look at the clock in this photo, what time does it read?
2:24
